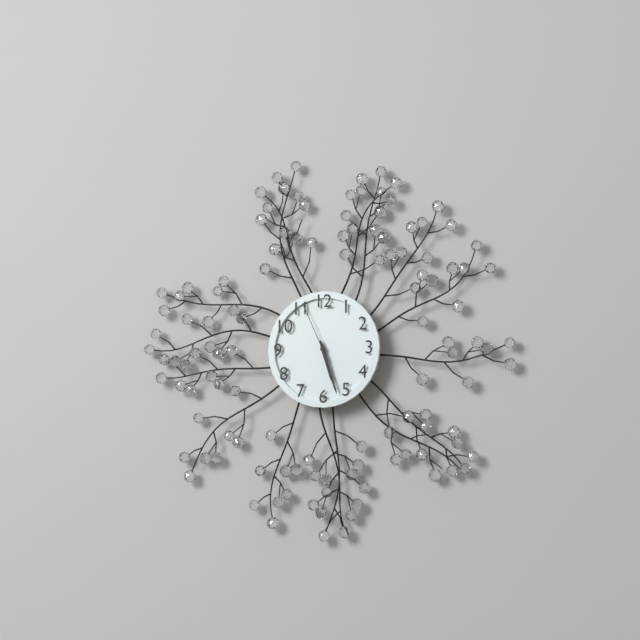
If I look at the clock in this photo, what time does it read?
5:27:56
